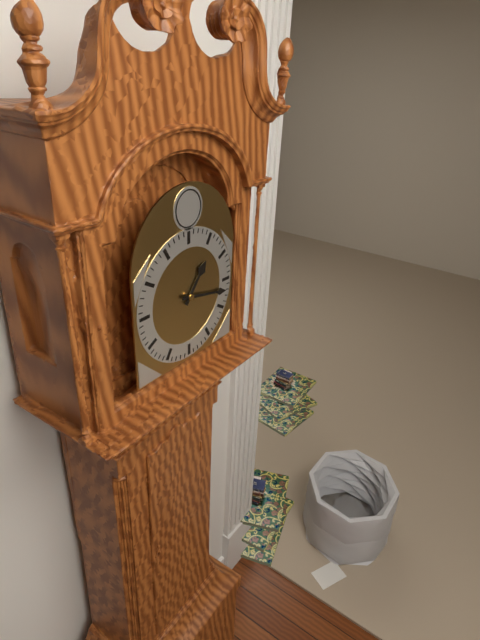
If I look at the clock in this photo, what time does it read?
1:17
